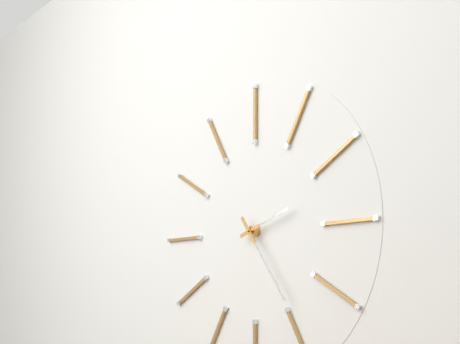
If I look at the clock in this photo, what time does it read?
2:24
